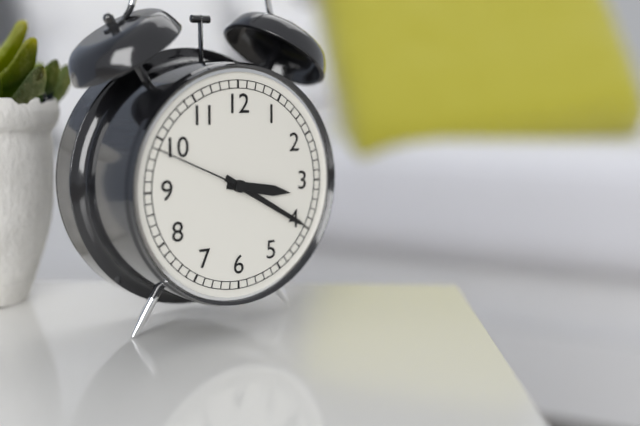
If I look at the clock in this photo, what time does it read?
3:20:49
